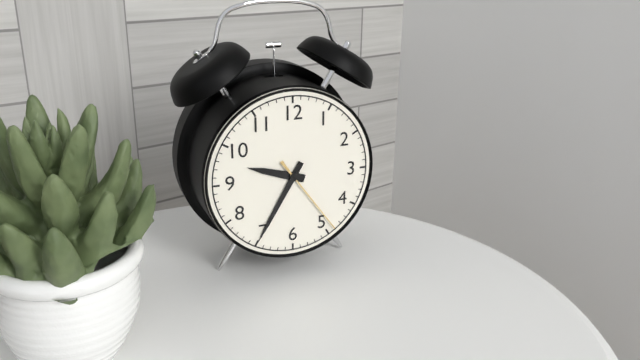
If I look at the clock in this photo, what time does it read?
9:35:24
